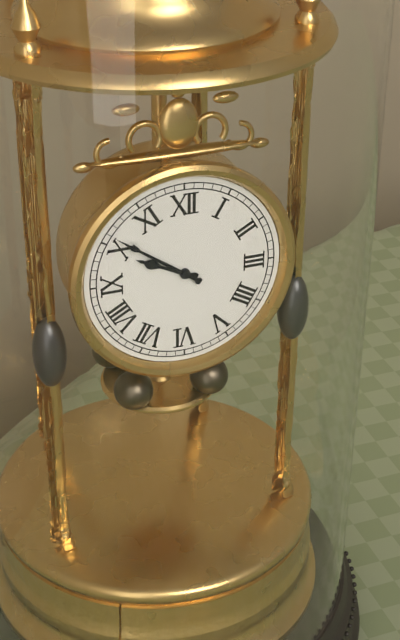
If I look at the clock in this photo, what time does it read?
9:51
